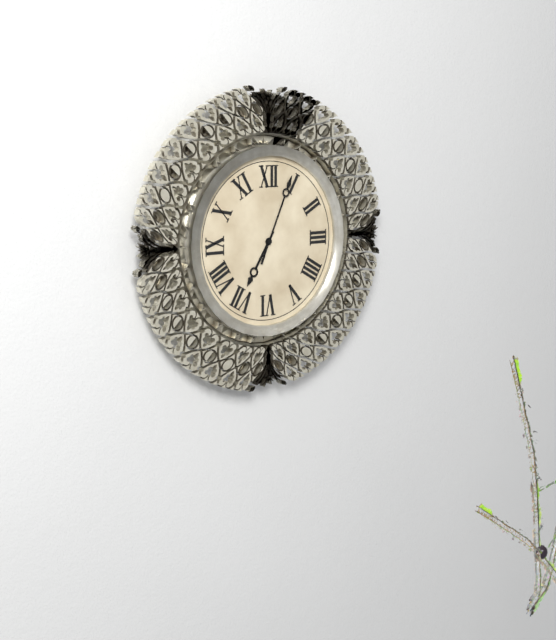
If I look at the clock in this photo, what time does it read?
7:04
